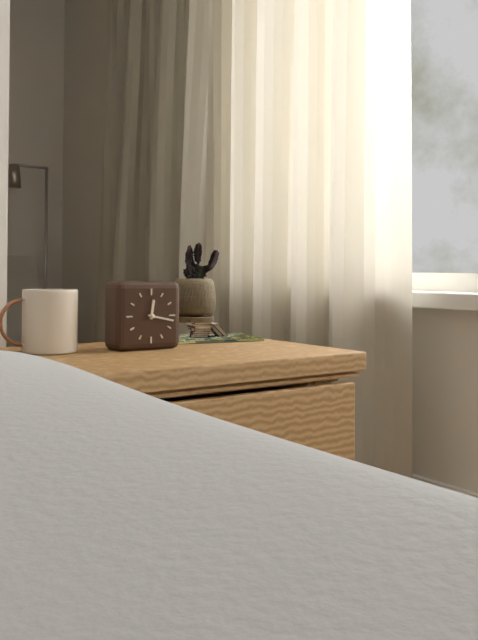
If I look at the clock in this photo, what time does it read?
12:17
